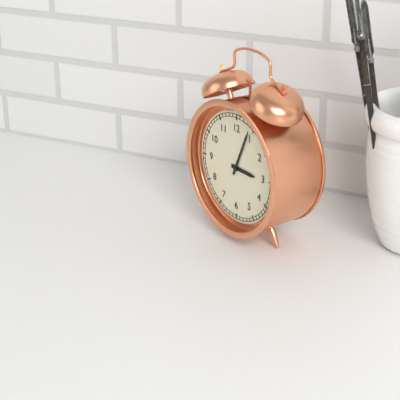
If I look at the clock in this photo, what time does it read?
3:04
